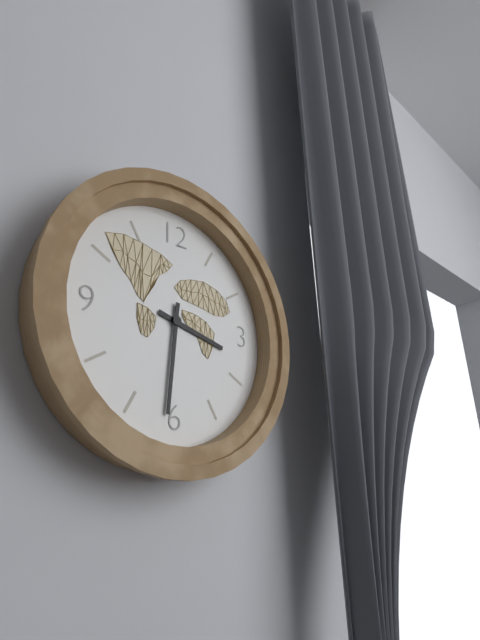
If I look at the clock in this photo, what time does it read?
3:31
